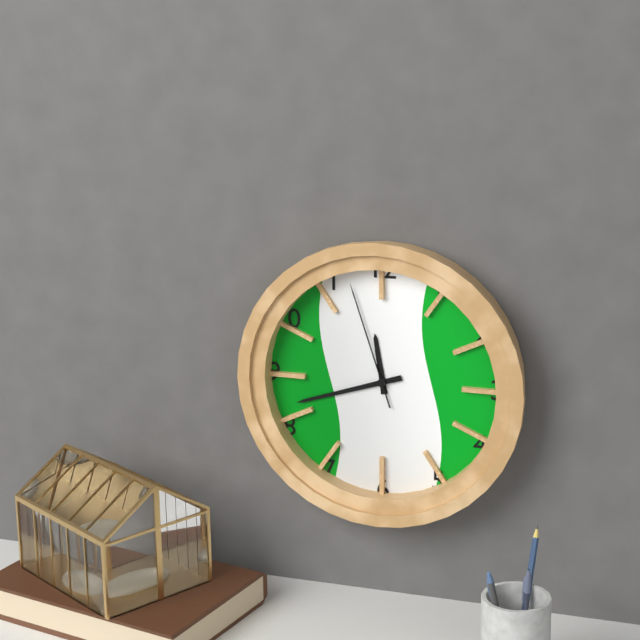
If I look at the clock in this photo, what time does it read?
11:42:57
